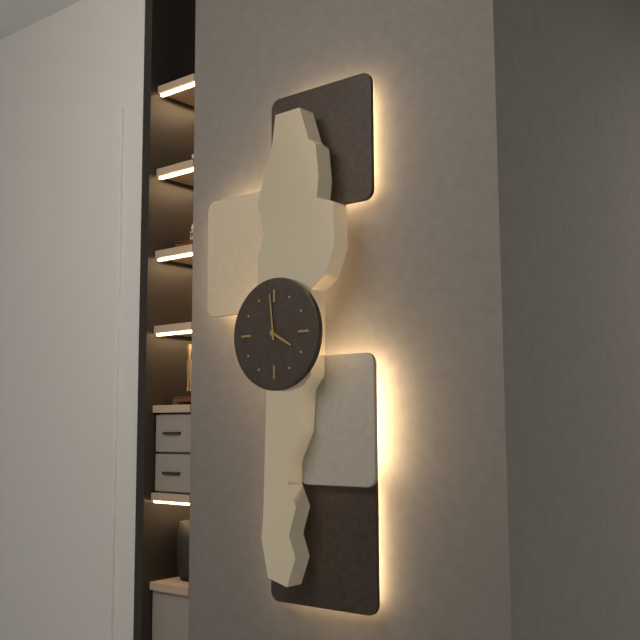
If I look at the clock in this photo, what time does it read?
3:59
